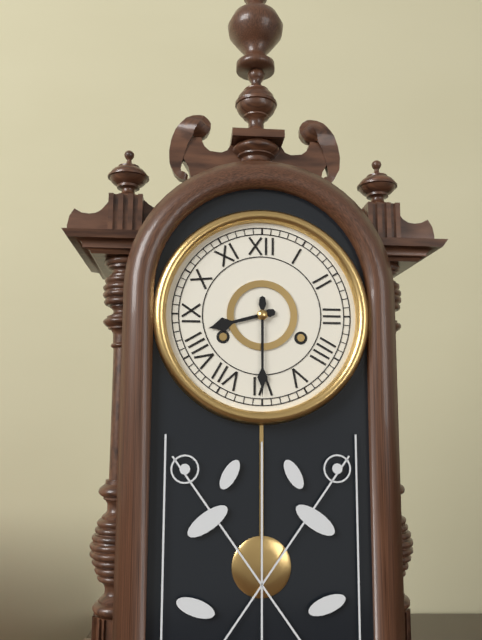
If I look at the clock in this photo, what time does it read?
8:30
